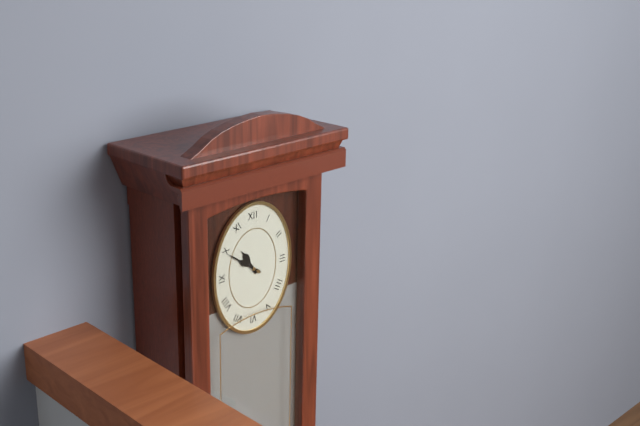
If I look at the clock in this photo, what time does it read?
10:51
